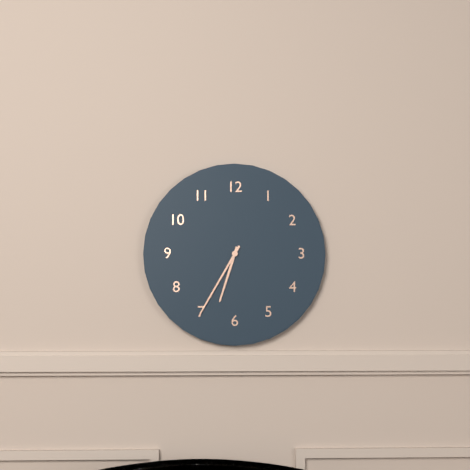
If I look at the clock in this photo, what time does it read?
6:35
